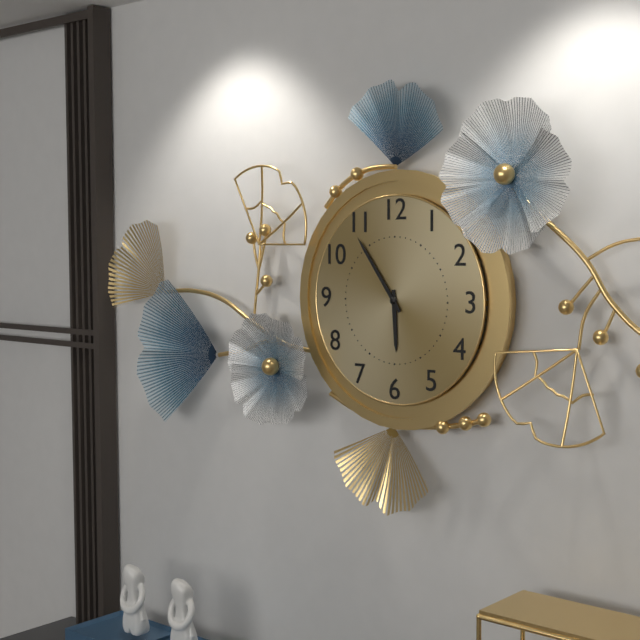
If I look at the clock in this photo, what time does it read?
5:54
